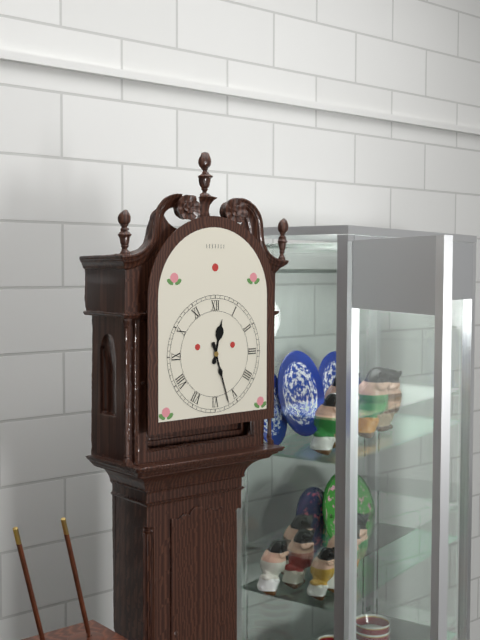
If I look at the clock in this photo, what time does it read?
12:27
